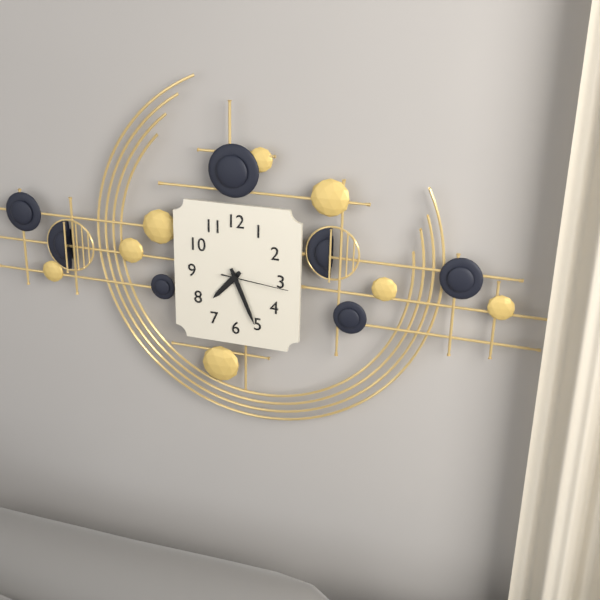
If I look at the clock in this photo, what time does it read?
7:26:16
